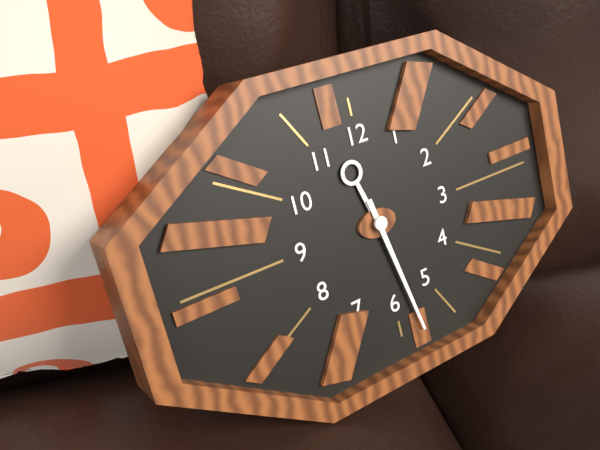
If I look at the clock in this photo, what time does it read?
11:28
